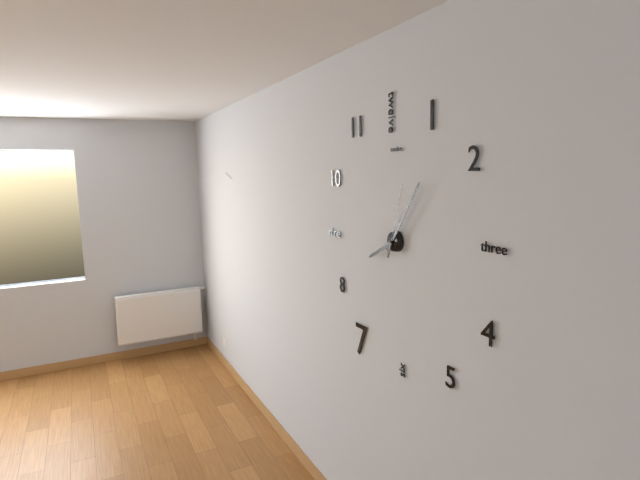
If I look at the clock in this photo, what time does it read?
8:06:03
